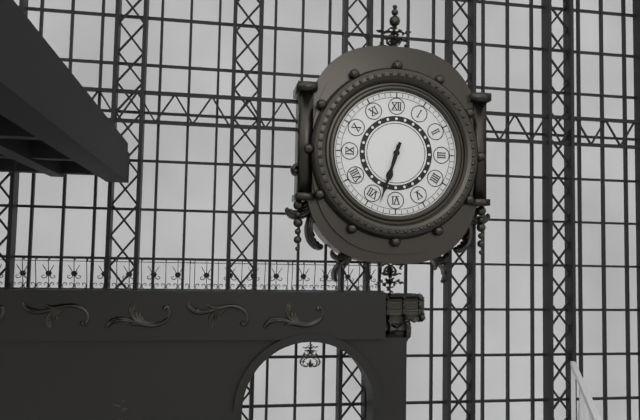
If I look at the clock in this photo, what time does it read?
6:33
